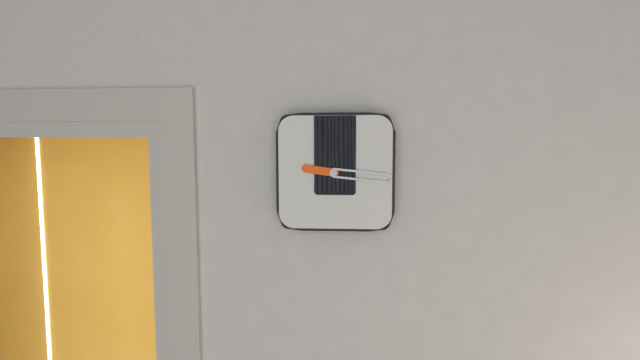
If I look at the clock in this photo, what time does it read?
9:16
